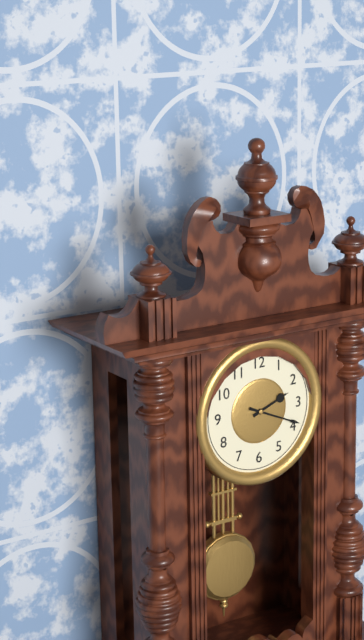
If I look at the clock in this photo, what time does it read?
2:19
